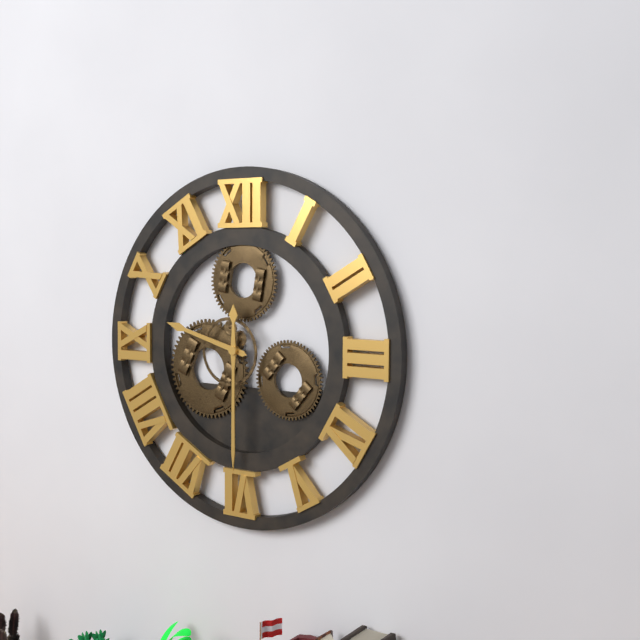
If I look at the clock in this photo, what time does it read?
9:30
